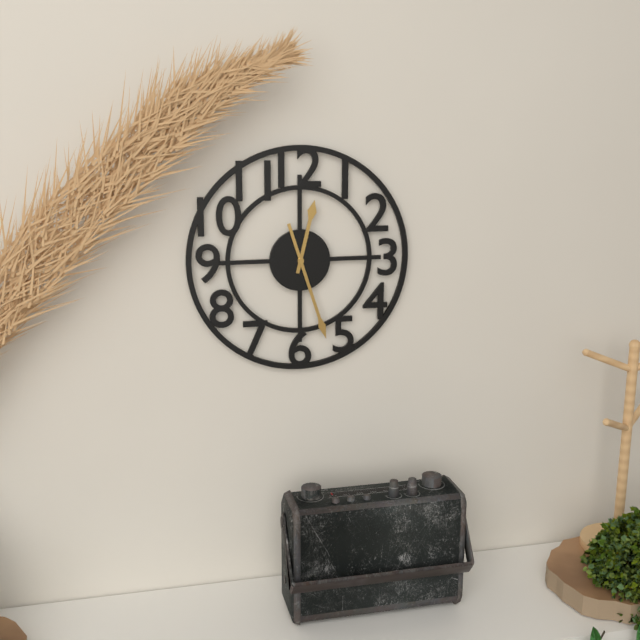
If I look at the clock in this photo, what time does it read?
12:27
